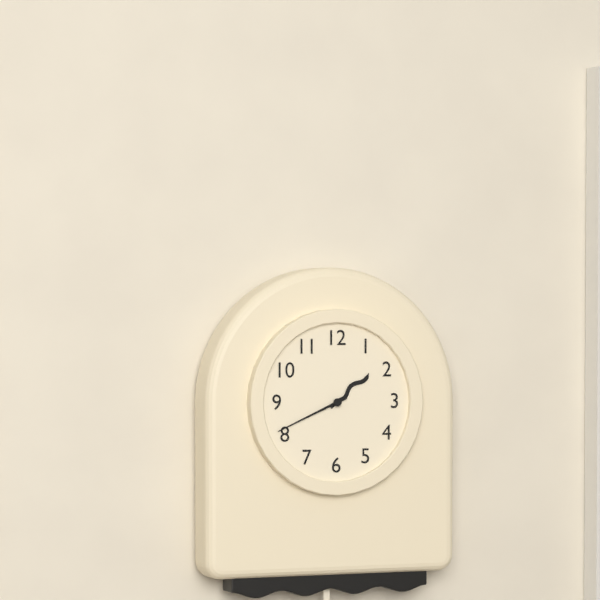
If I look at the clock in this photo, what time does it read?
1:41
